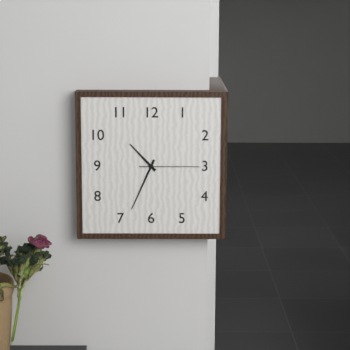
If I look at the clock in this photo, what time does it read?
10:34:15
